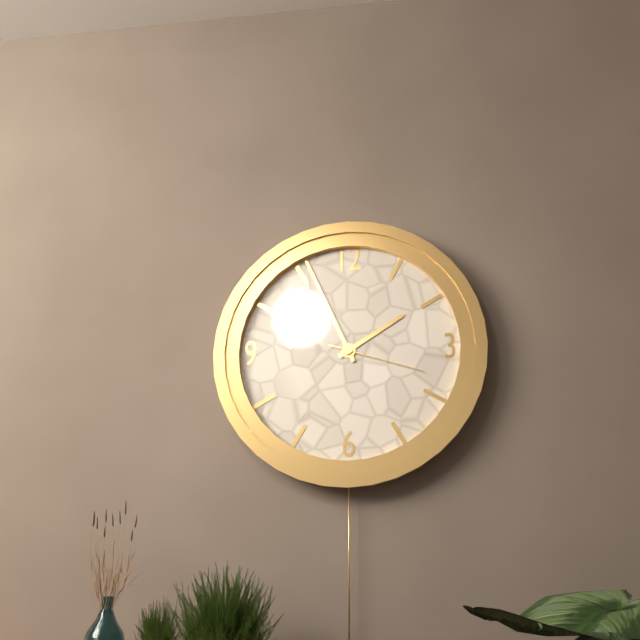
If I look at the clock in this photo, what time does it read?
1:56:18
